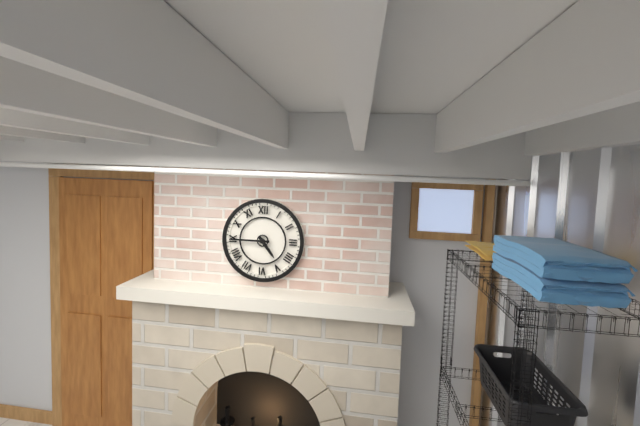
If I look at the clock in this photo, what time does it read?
4:45
